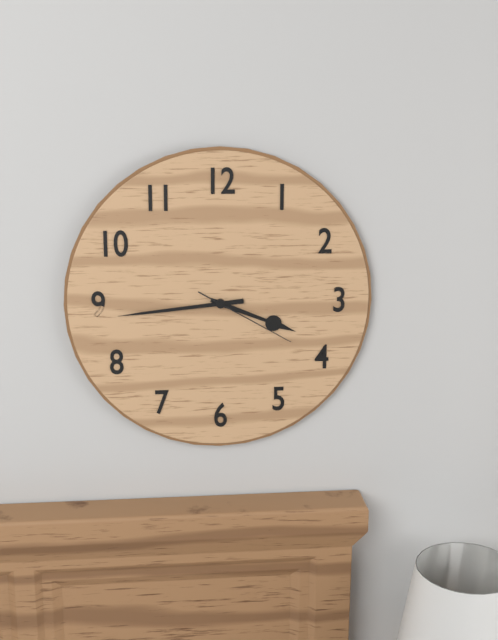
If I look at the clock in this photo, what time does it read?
3:44:20
